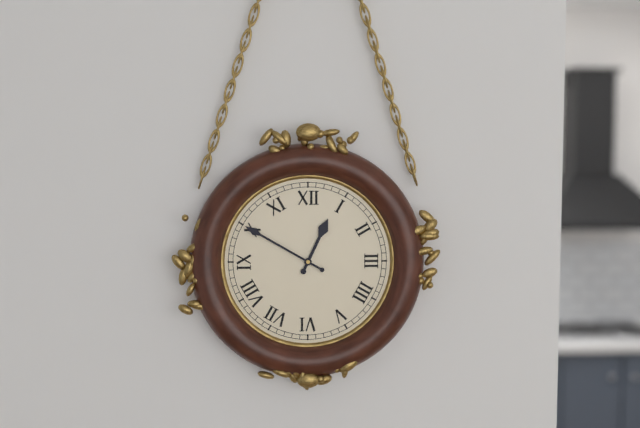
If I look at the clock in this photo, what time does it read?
12:50
